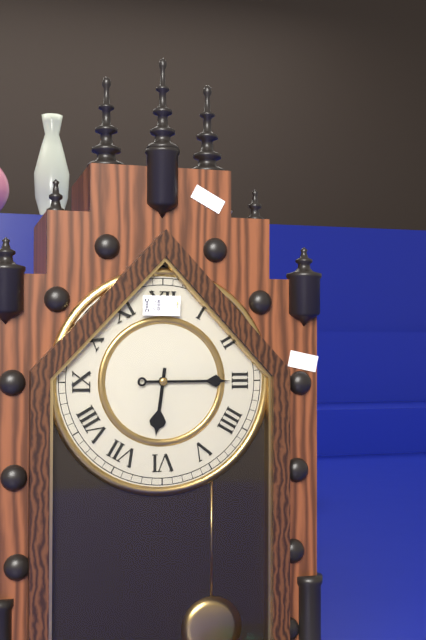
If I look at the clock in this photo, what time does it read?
6:15
